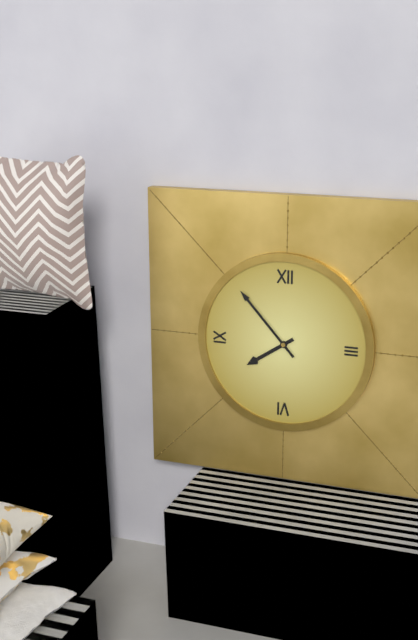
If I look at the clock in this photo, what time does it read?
7:53
